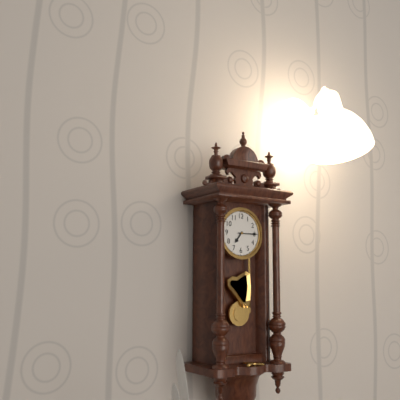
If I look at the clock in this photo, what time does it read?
7:15
